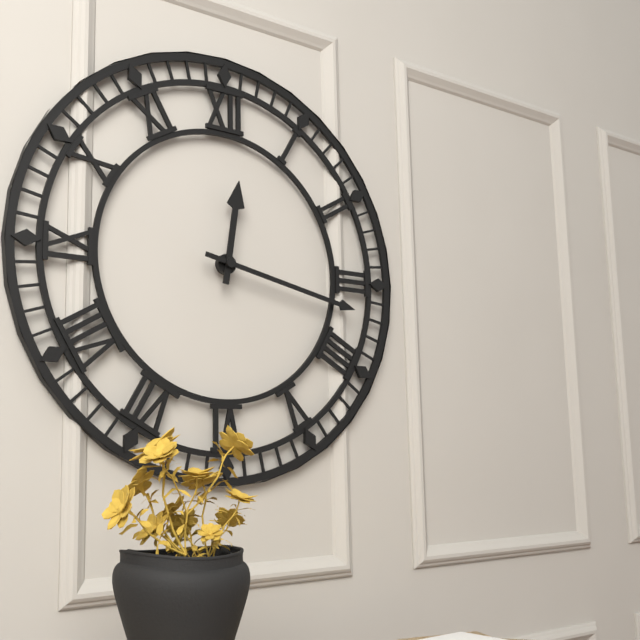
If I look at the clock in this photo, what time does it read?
12:17
